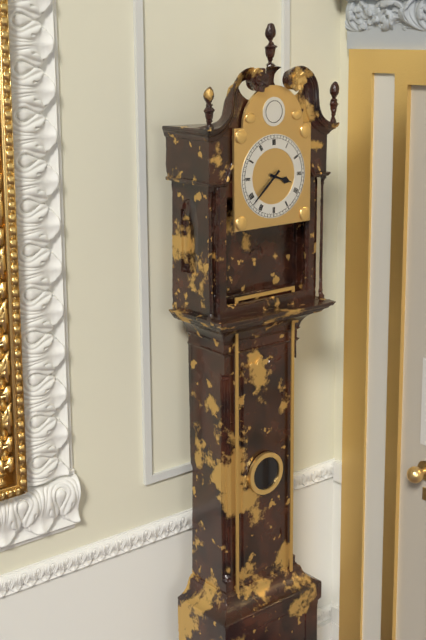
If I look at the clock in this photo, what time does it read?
3:38
